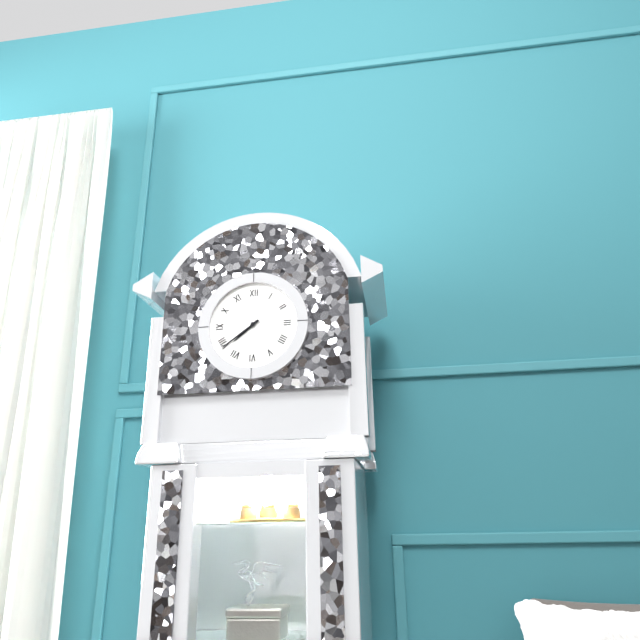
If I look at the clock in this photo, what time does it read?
7:39
